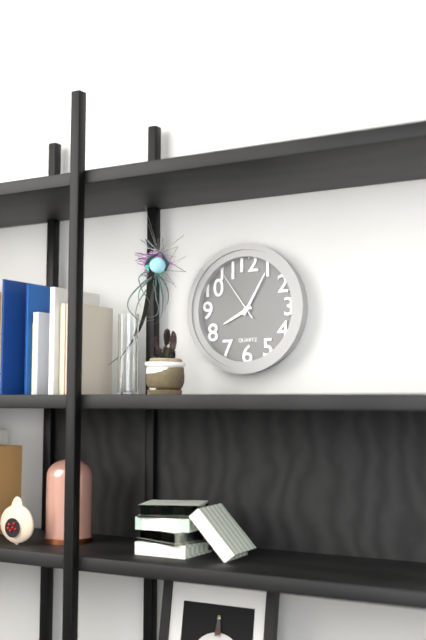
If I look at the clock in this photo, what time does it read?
8:05:54
